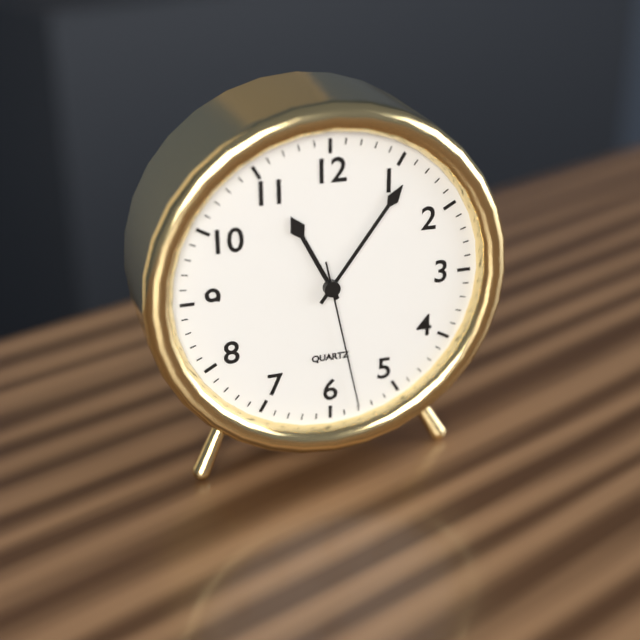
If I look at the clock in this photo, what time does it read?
11:06:28
